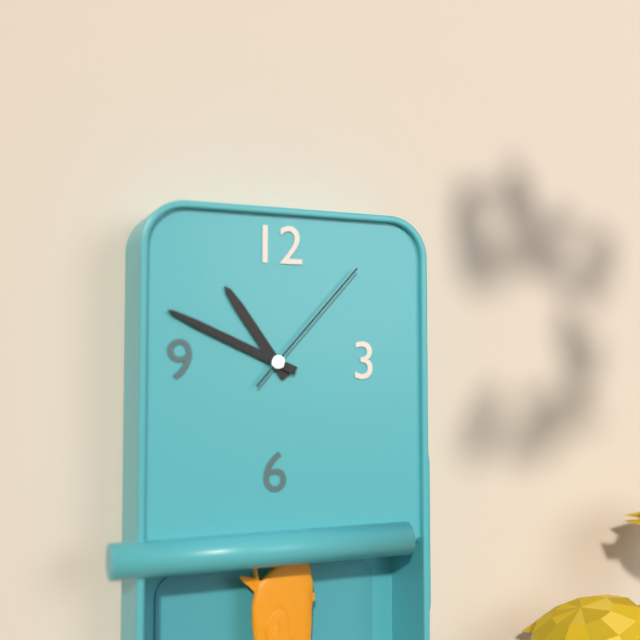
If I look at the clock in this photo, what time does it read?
10:49:07
